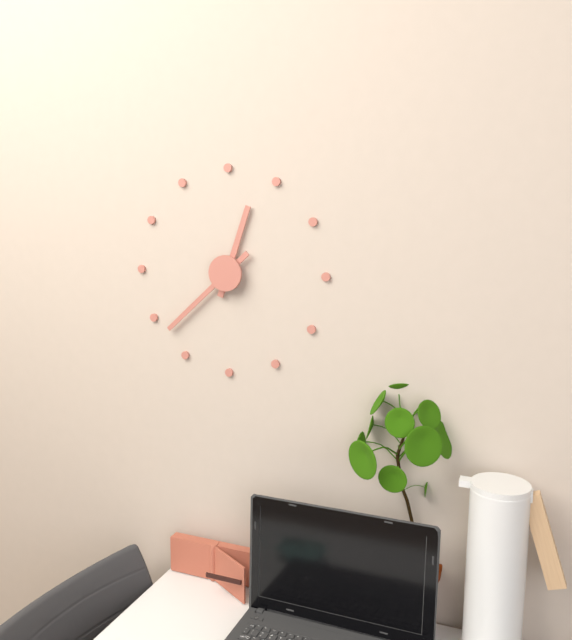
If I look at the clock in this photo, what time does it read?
12:38
